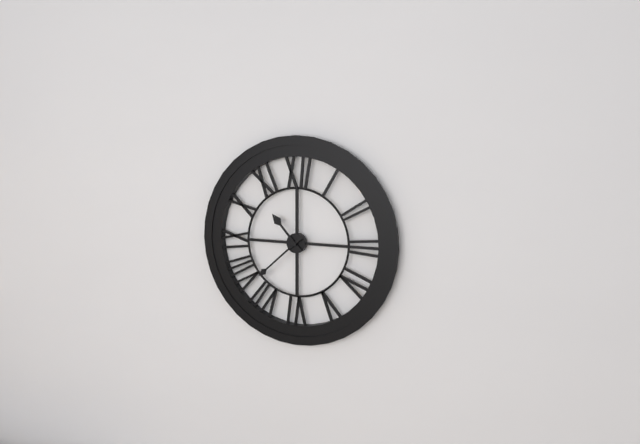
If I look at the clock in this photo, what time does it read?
10:38
